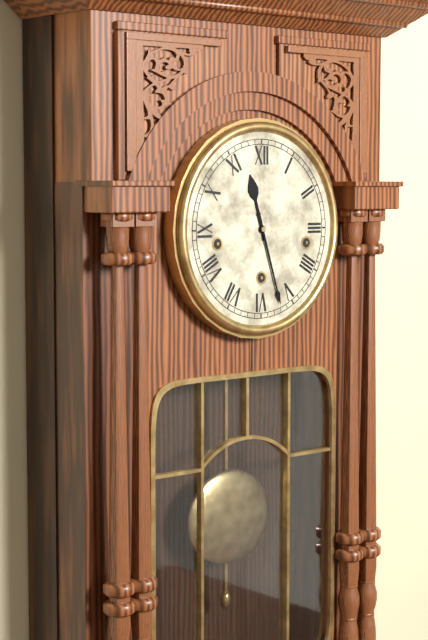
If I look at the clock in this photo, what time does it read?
11:27
